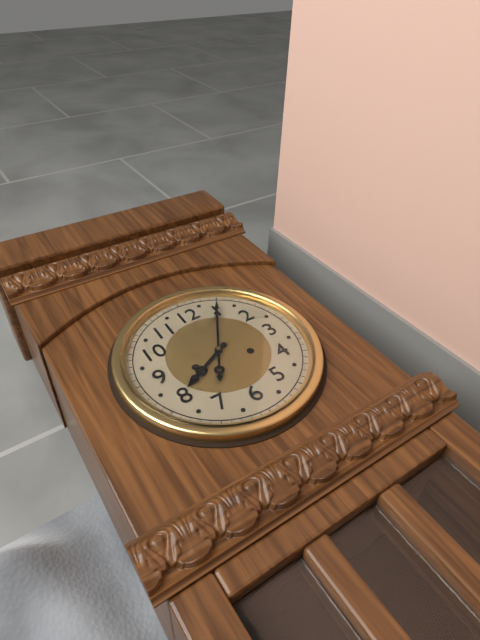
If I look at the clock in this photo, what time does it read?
8:05
